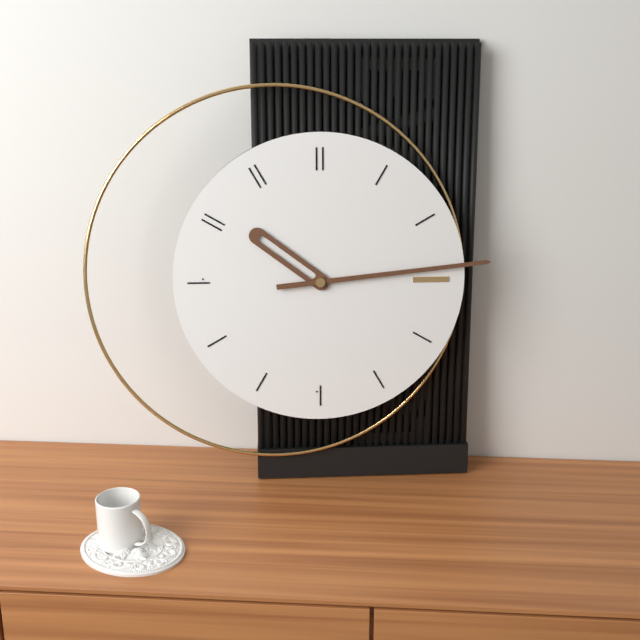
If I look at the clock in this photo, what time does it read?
10:14
